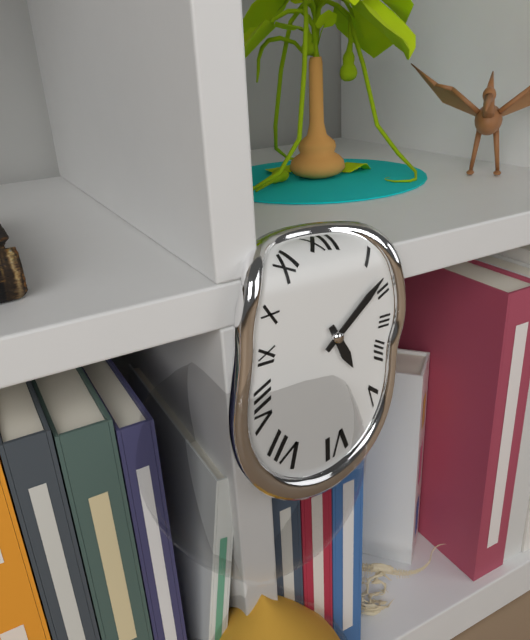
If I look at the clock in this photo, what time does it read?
5:08
